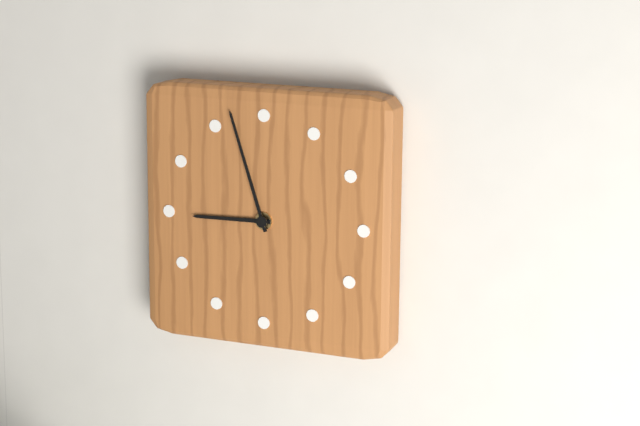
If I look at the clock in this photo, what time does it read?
8:57
